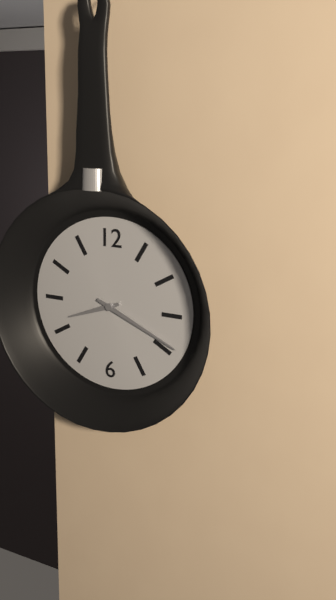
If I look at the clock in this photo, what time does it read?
8:19
